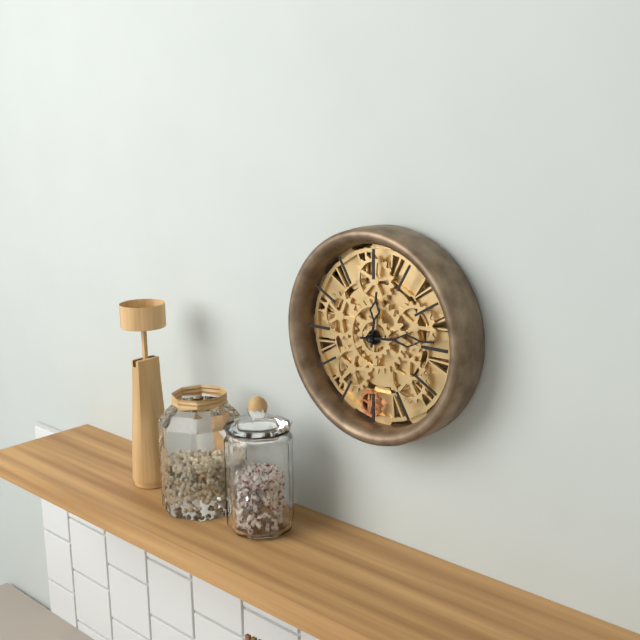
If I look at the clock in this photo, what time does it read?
12:14
